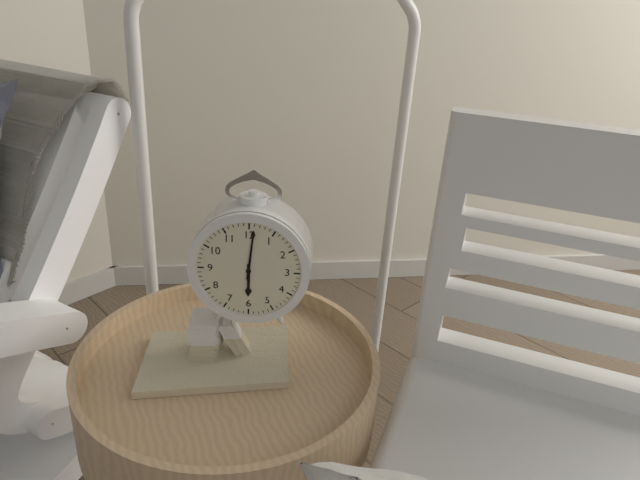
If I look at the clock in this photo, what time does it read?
6:01
